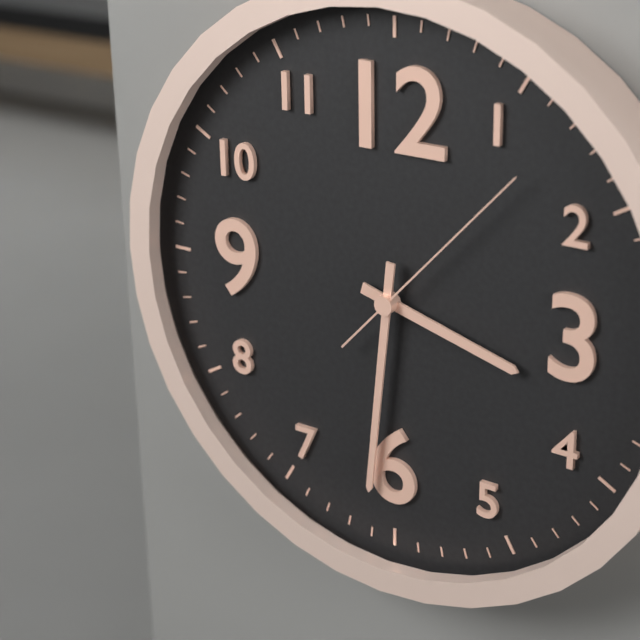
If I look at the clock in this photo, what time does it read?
3:31:07
